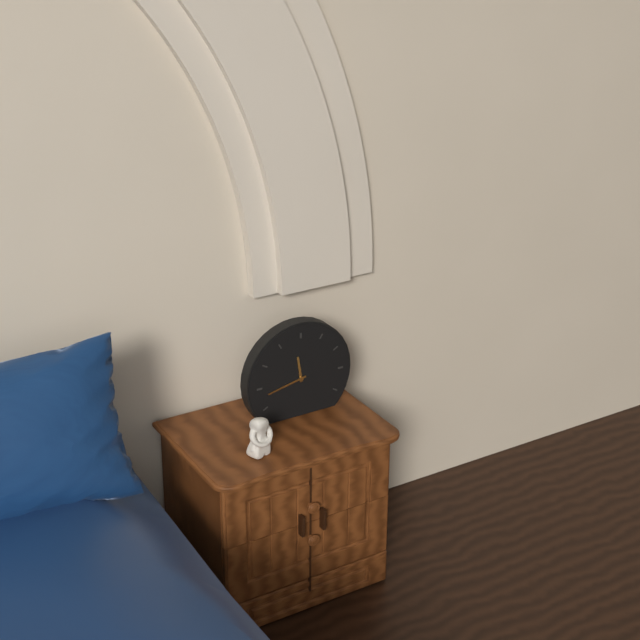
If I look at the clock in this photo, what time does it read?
11:43
